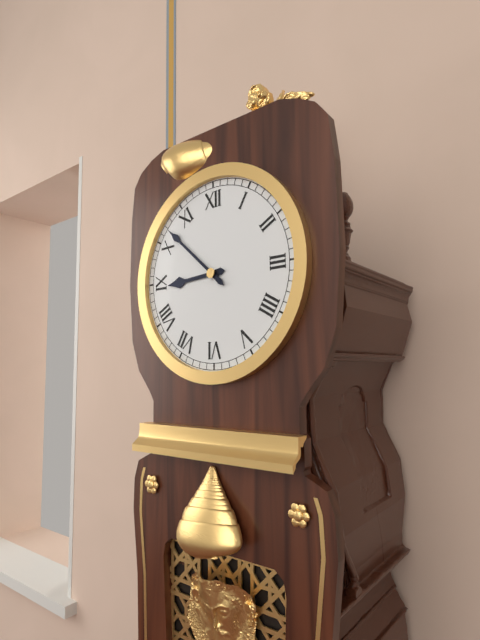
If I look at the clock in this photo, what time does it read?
8:52
